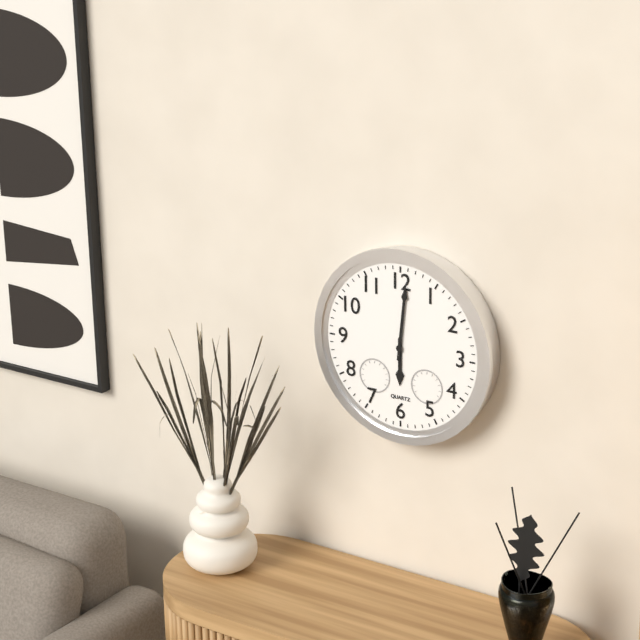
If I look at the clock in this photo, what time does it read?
6:01
